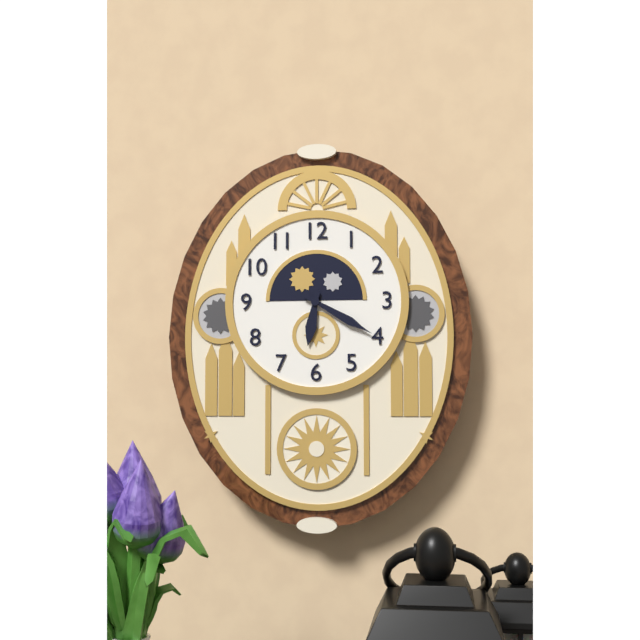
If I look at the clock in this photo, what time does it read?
6:20
